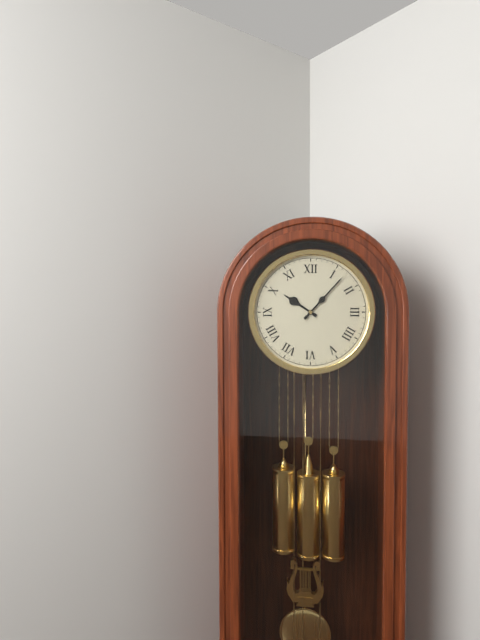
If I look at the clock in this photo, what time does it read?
10:07
